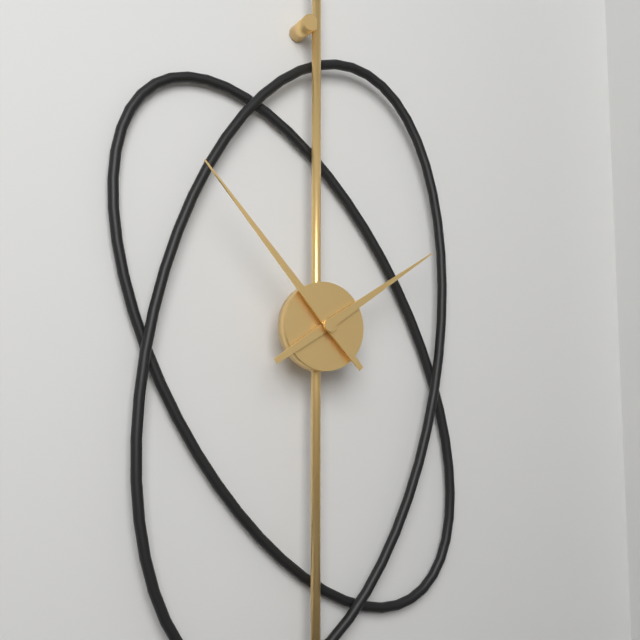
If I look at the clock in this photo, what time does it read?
1:53
